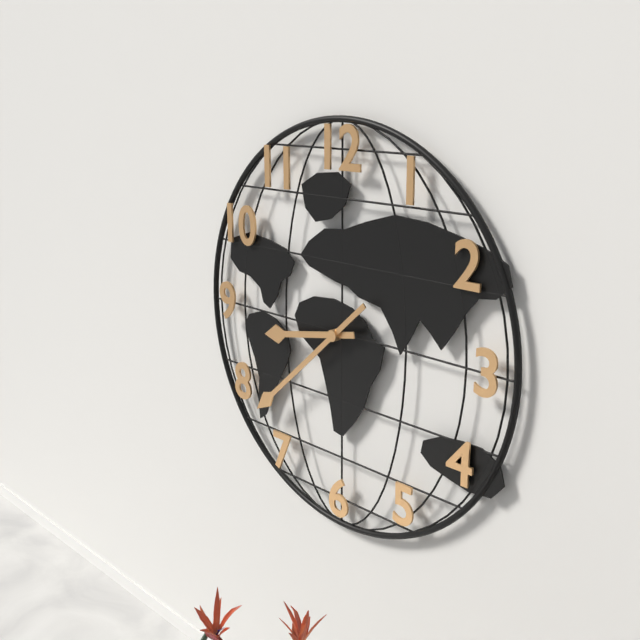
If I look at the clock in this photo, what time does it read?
8:38
